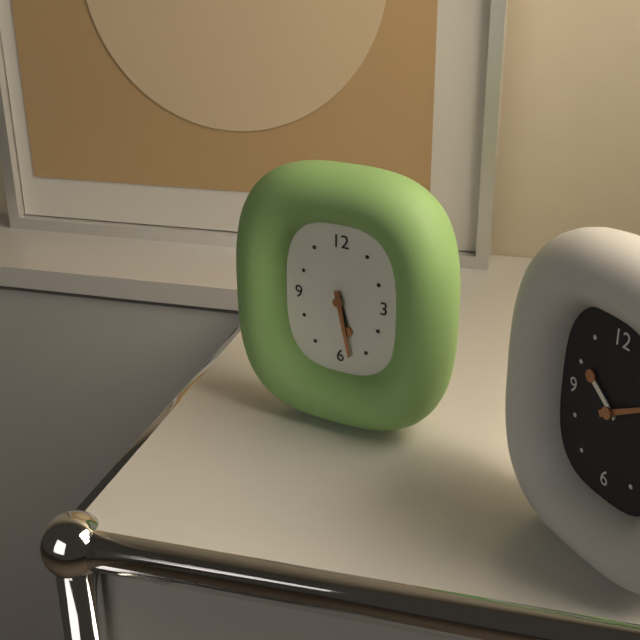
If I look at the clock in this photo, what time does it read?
5:28
